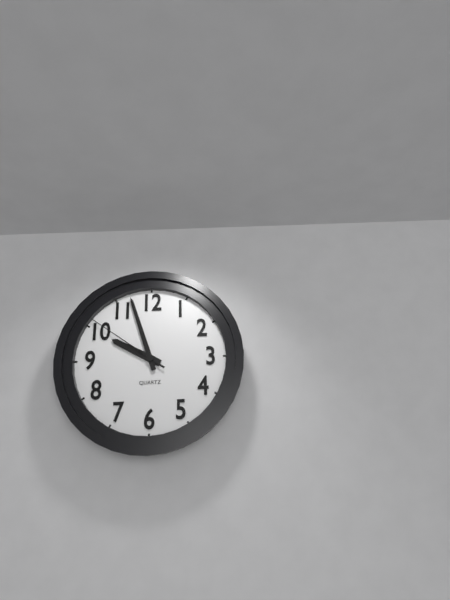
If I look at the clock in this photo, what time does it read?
9:57:51
